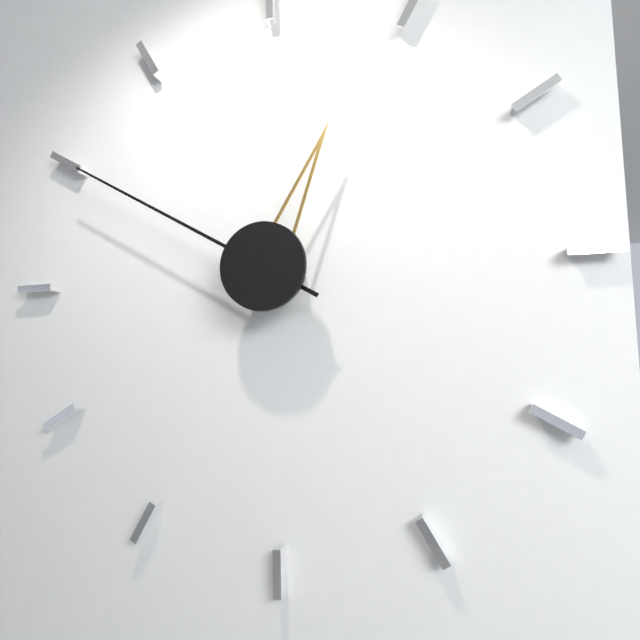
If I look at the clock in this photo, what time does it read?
12:50
